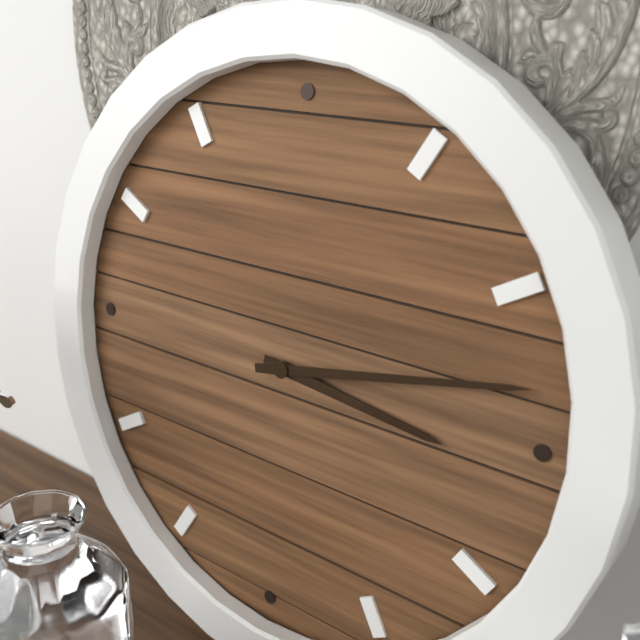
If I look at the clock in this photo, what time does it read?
3:13
